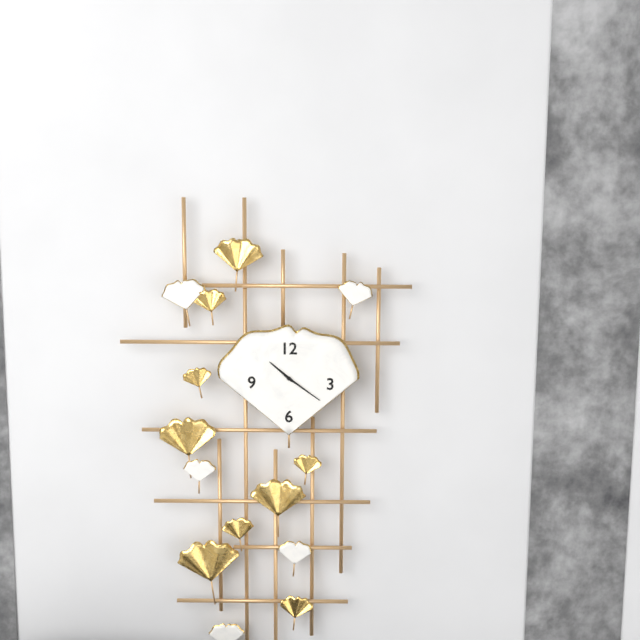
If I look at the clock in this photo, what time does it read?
10:21
